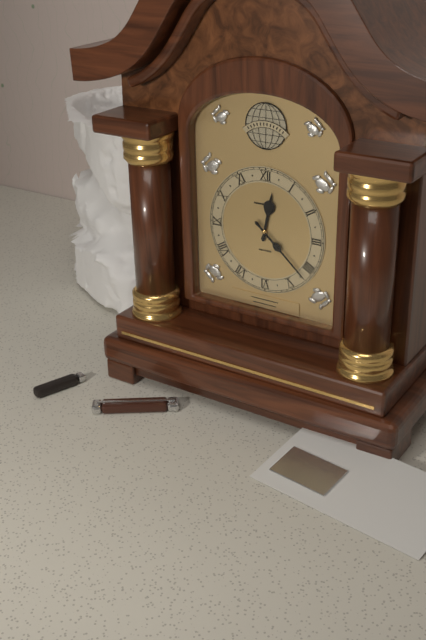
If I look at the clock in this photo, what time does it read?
12:22
